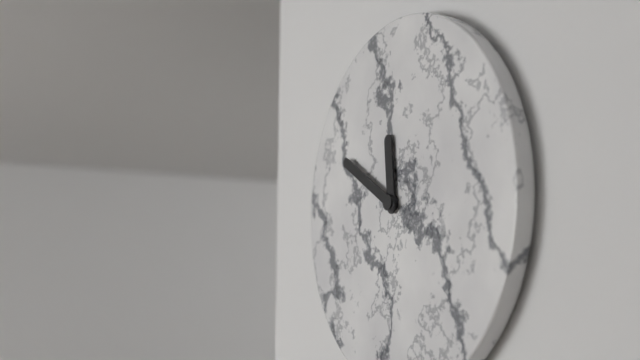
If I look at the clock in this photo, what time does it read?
11:50
